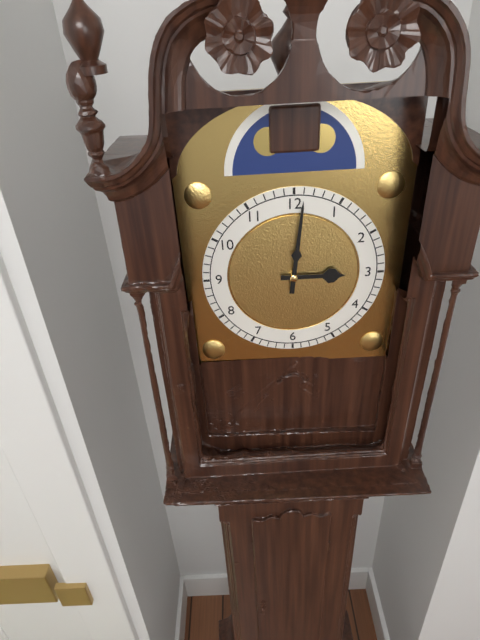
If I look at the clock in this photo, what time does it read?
3:01
